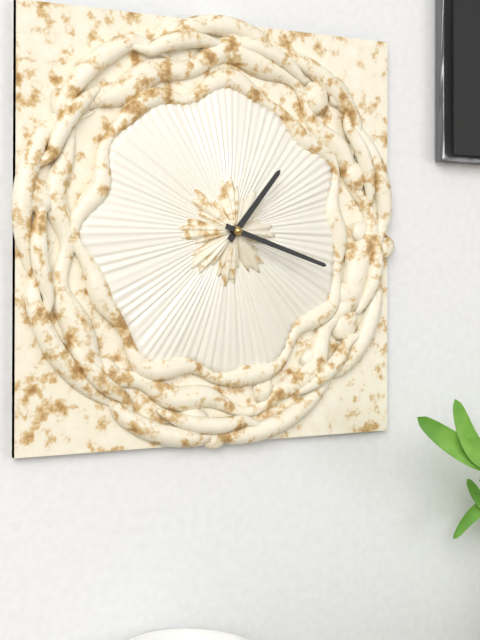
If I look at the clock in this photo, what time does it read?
1:18
